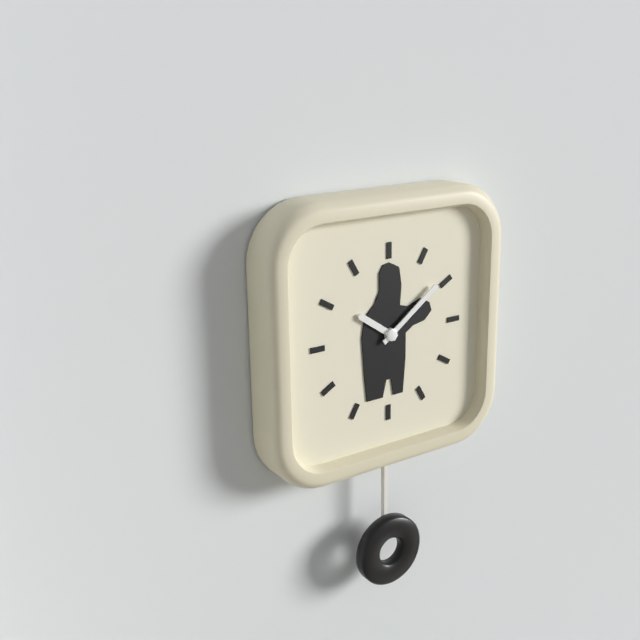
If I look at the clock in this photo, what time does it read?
10:09
